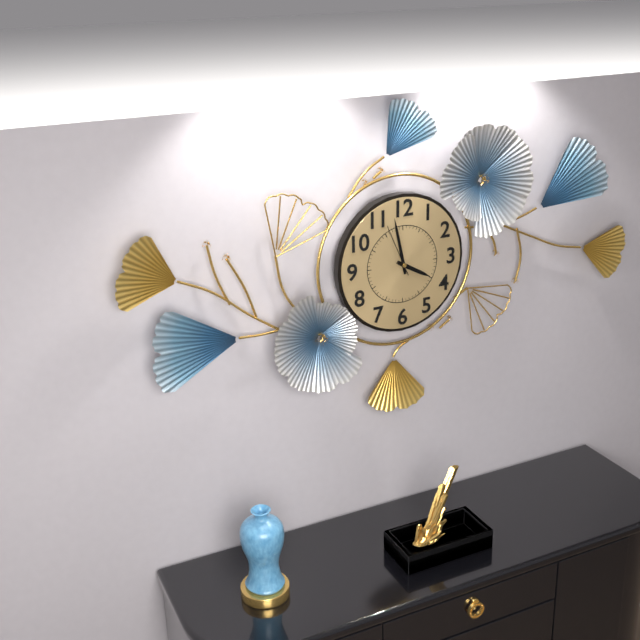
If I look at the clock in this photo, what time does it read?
3:58:56
